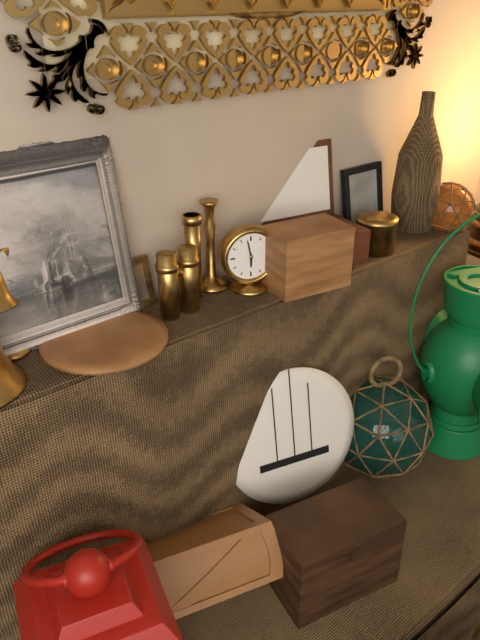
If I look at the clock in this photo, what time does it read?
5:58
